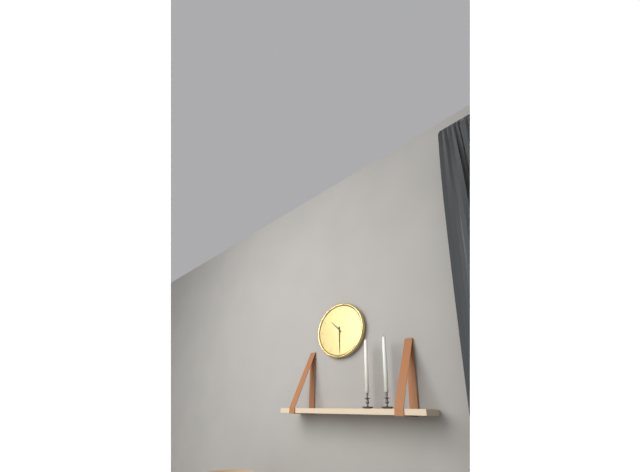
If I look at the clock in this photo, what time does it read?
10:30
